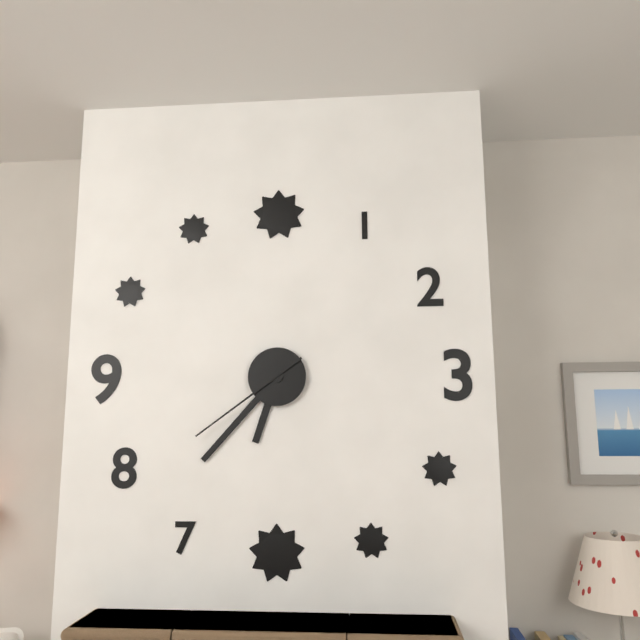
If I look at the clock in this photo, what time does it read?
6:37:39
